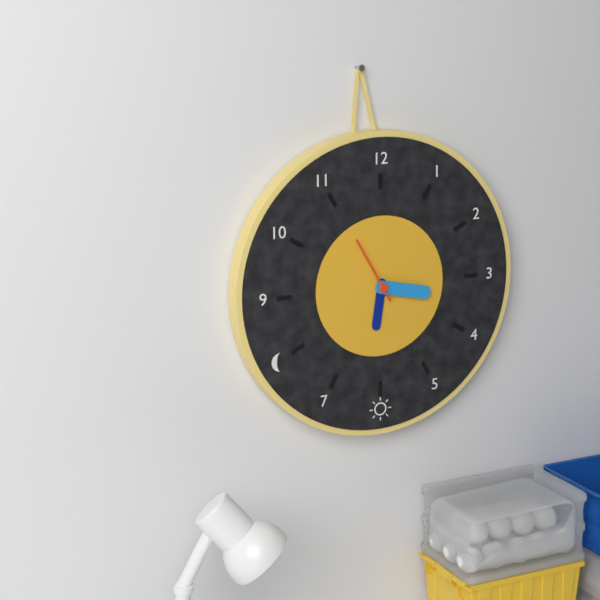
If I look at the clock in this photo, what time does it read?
6:17:55
